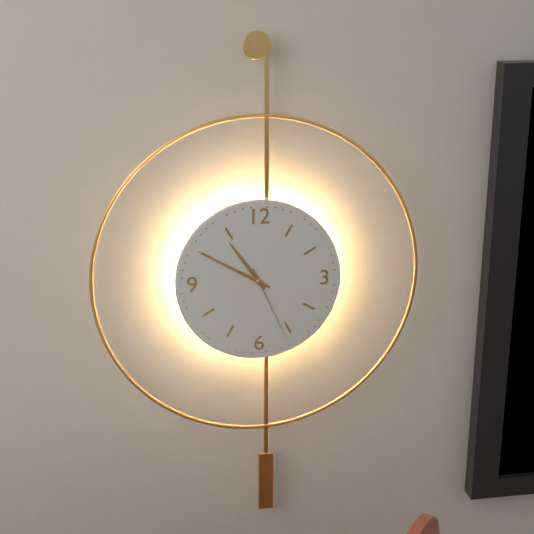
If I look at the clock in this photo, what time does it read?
10:50:26
